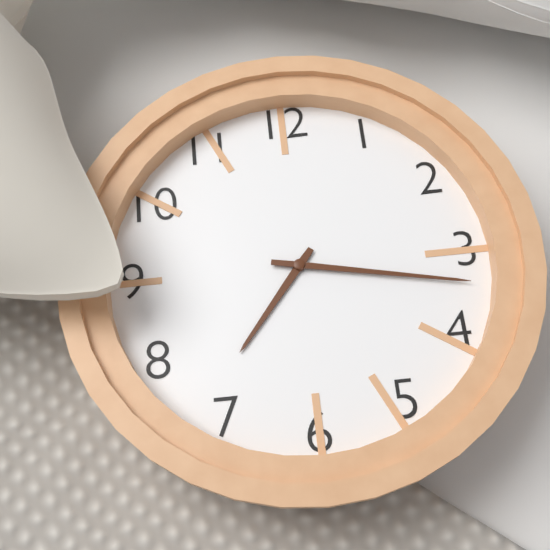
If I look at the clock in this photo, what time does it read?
7:17
